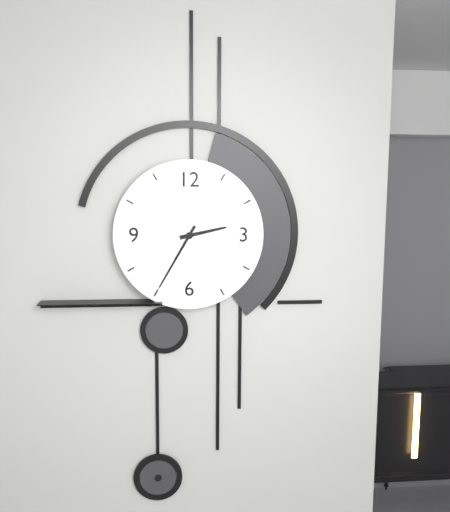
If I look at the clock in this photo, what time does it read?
2:35
